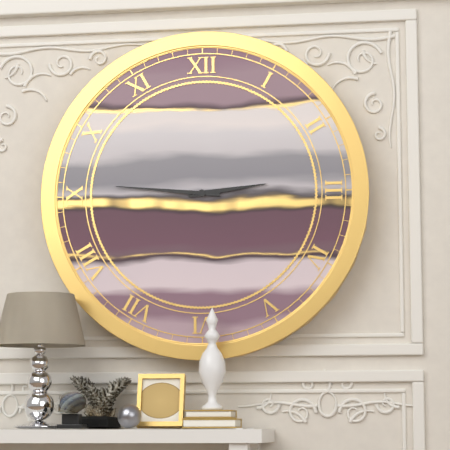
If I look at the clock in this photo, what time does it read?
2:46
